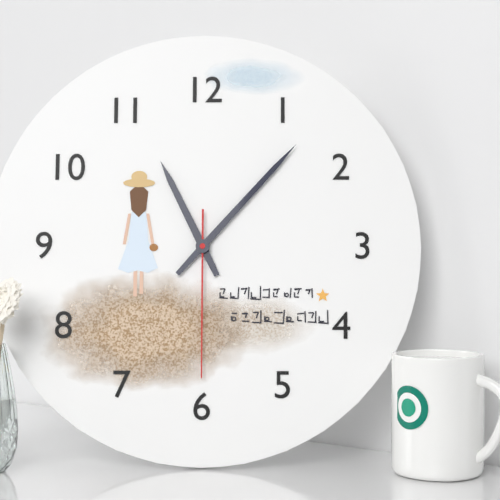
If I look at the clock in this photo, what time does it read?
11:07:30
